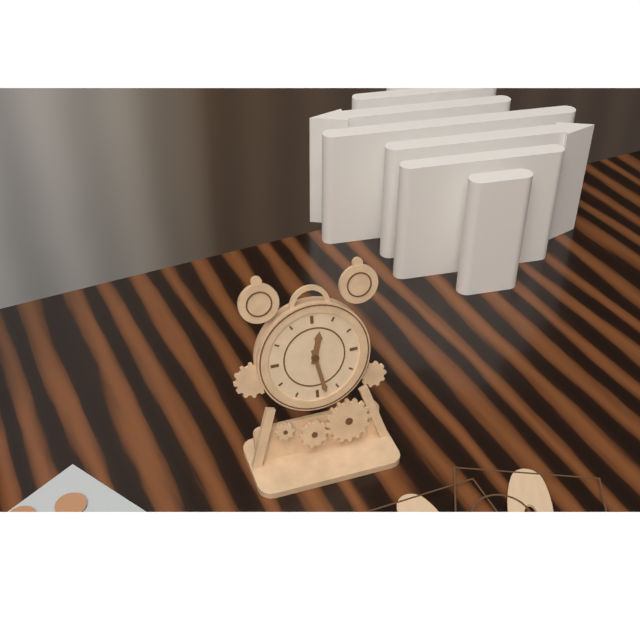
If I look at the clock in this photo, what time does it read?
12:28
